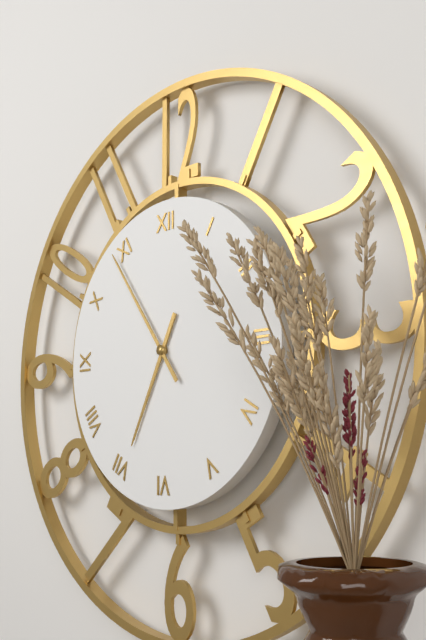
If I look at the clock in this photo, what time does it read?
6:54
